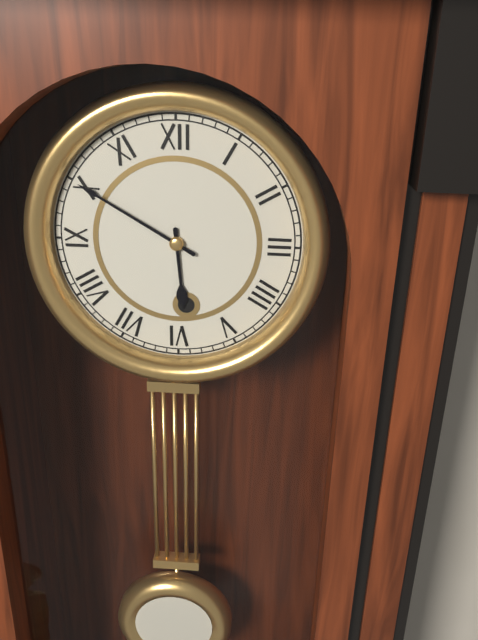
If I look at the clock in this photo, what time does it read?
5:50
